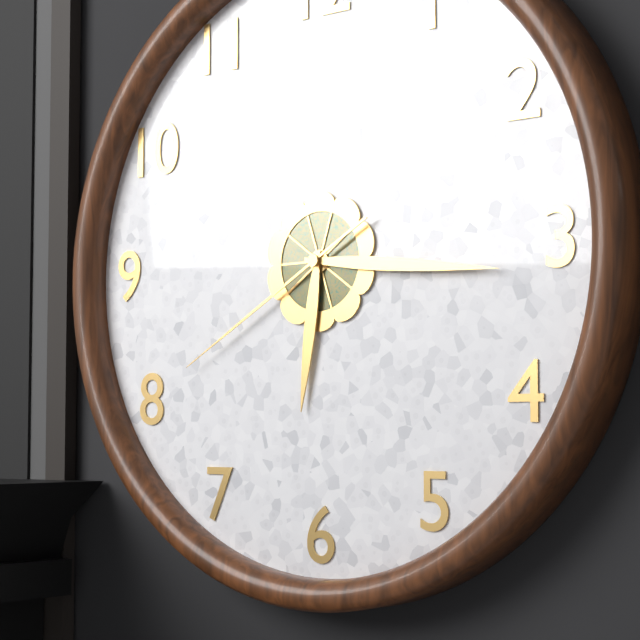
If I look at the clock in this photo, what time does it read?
6:16:40
